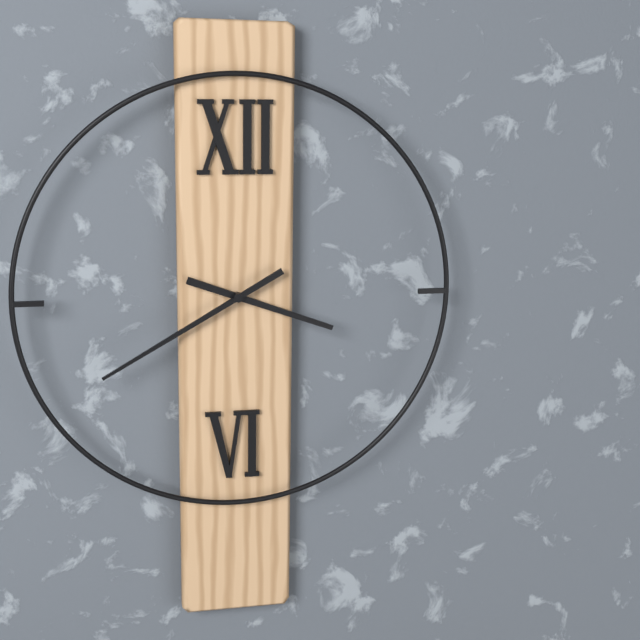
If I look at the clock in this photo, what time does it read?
3:40
